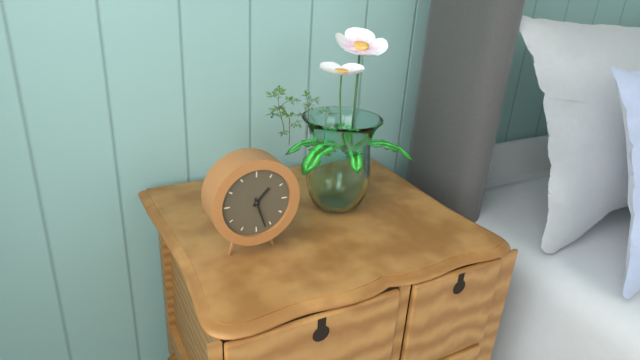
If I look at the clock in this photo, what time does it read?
1:27
